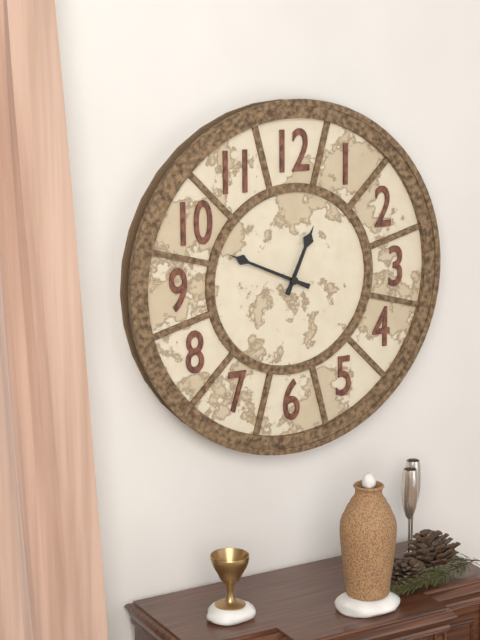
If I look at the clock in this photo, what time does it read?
12:49
